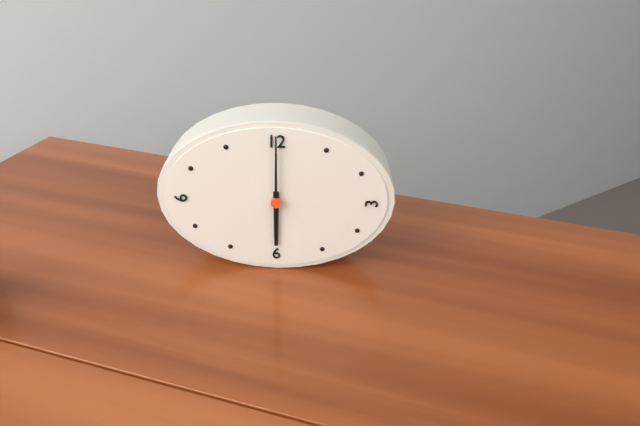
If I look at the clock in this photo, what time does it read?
6:00
